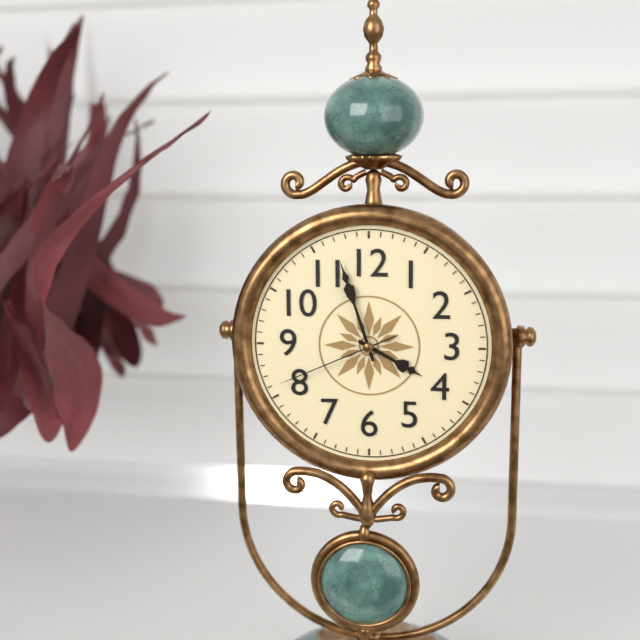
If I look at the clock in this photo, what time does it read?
3:57:41
